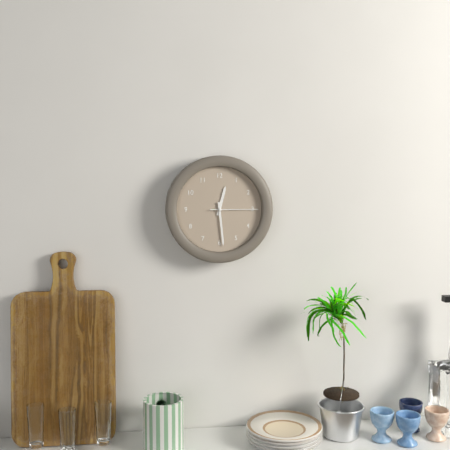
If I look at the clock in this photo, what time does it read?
12:29
